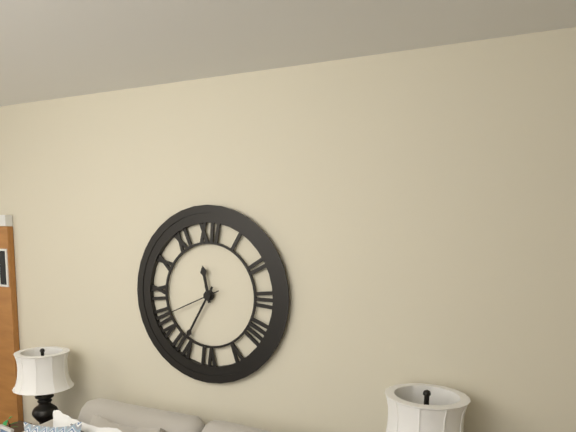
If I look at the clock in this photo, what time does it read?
11:35:41
